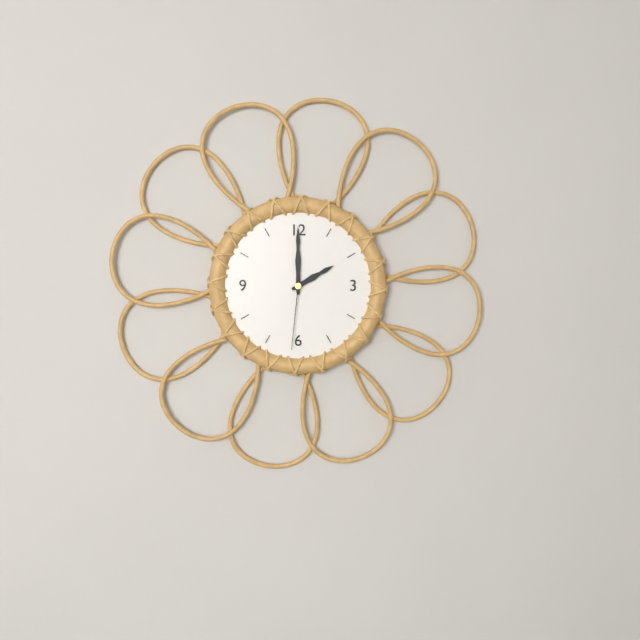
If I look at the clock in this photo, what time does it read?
2:00:31
